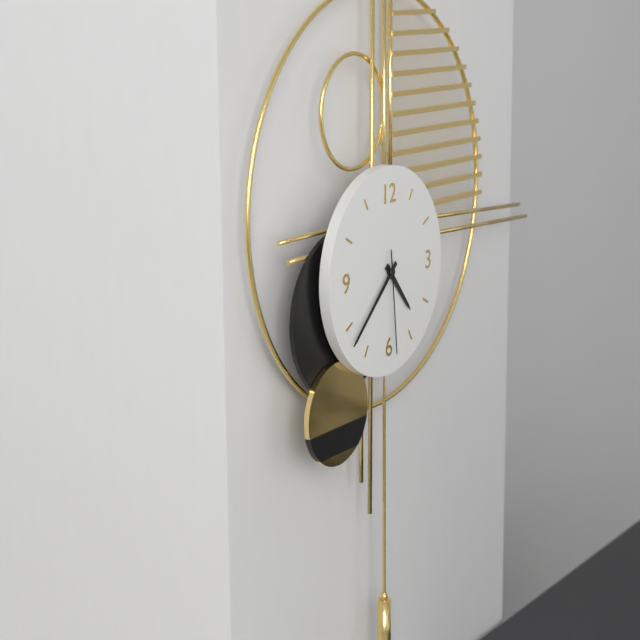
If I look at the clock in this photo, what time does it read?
4:38:29
